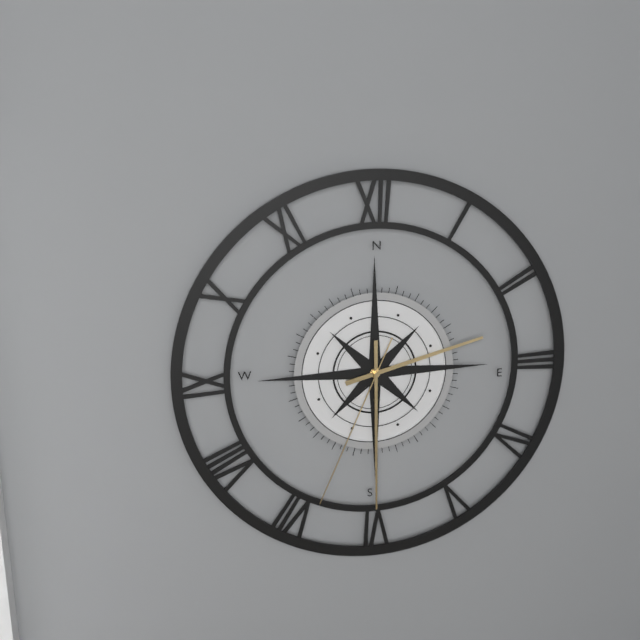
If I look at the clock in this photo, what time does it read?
2:30:34
